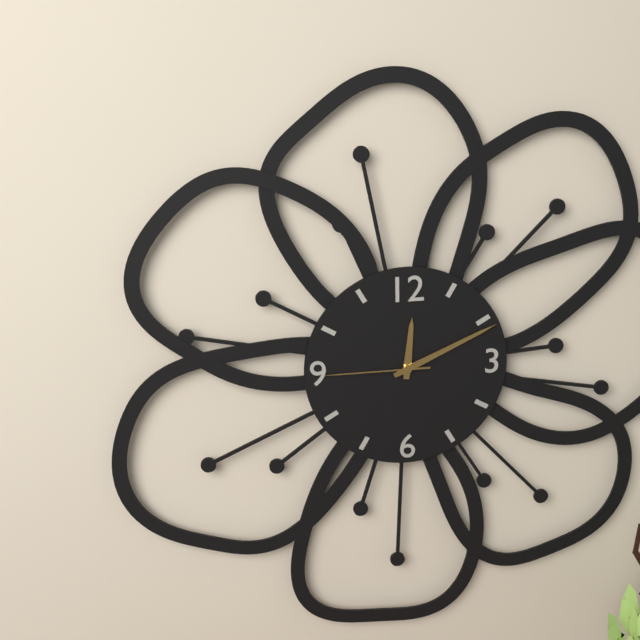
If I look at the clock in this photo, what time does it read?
12:11:45
